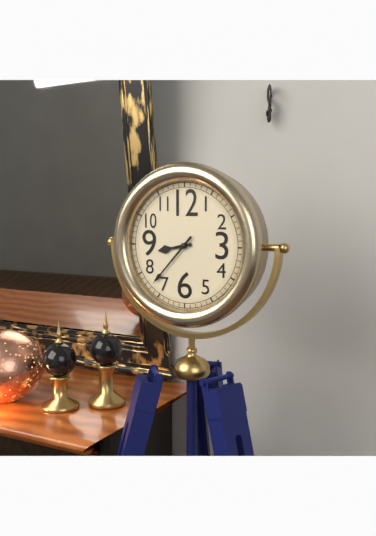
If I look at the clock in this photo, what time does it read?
8:37
